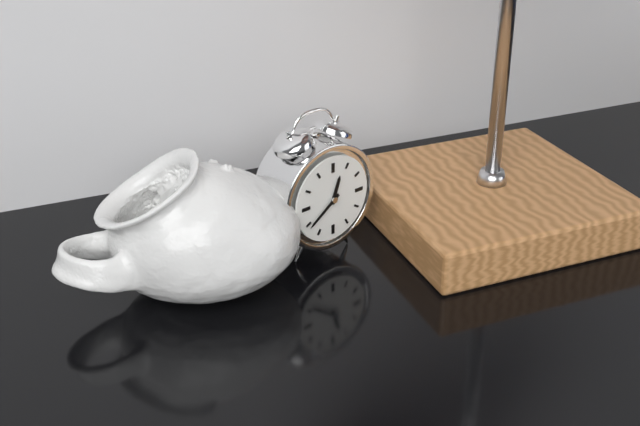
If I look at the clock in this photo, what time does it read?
12:39
